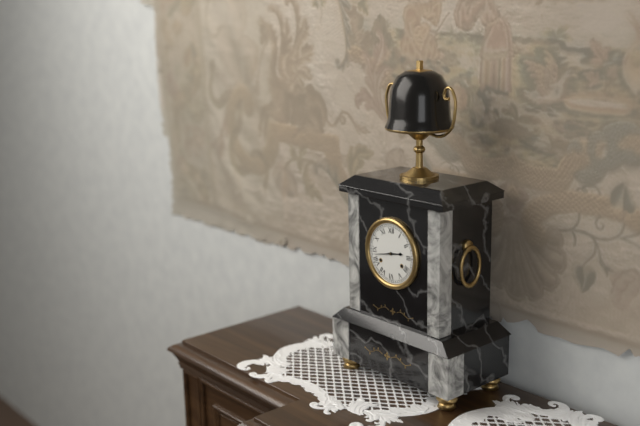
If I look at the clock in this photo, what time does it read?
2:43
